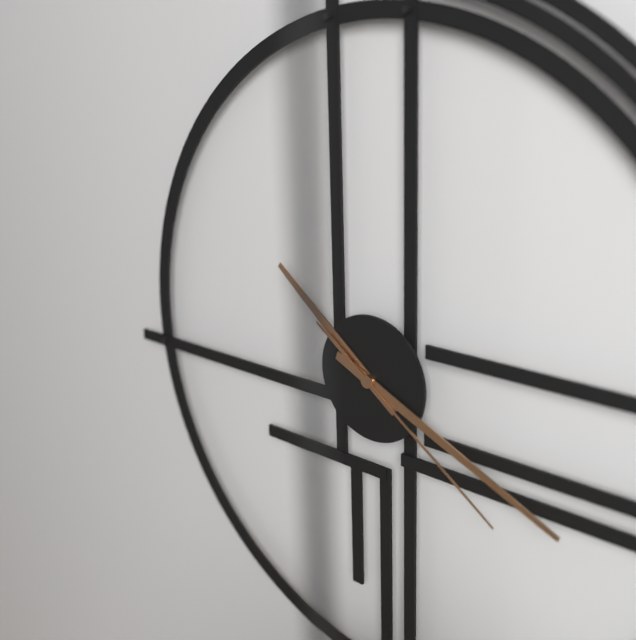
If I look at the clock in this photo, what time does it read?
10:19:21
